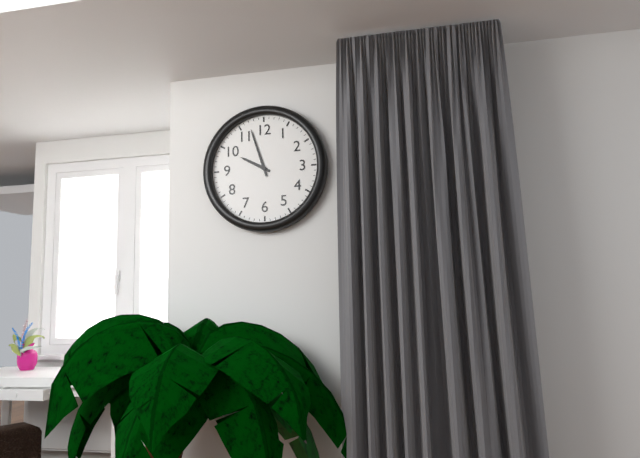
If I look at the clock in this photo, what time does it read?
9:57
